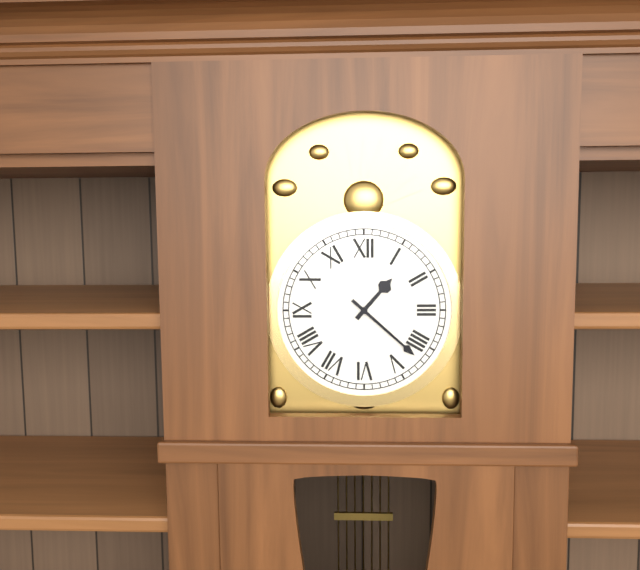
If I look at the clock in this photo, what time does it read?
1:22
